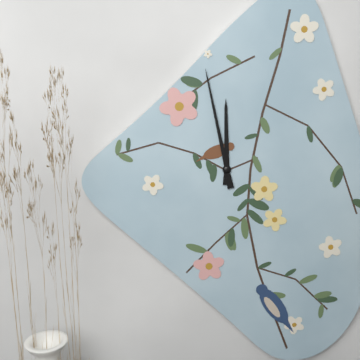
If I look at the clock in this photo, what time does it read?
11:58
